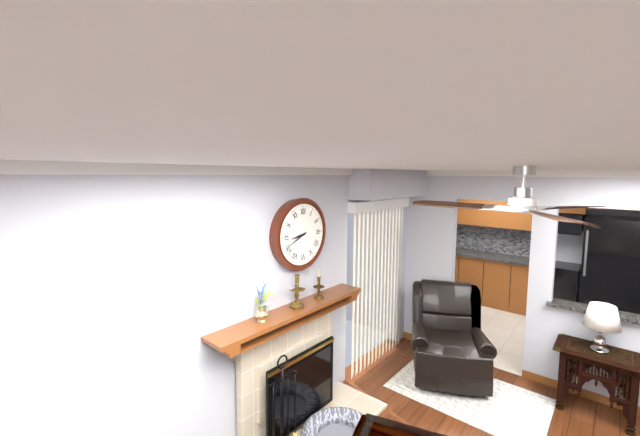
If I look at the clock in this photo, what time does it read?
8:41
